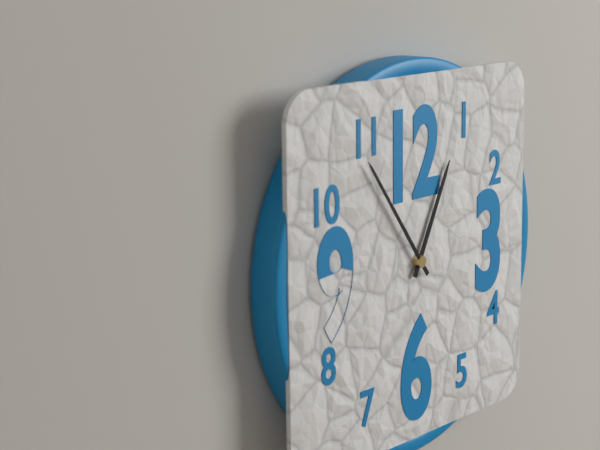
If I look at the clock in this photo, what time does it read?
12:54
